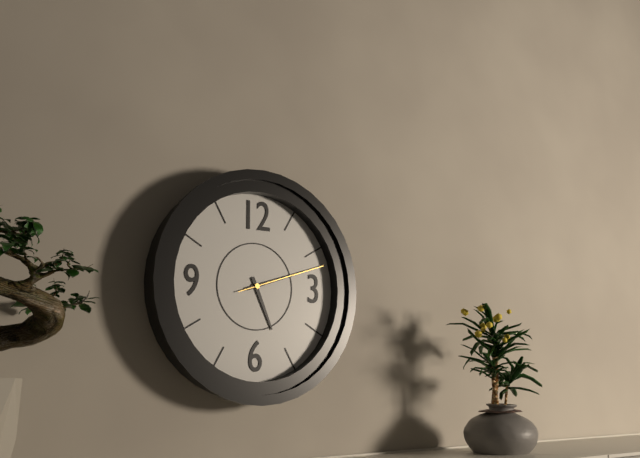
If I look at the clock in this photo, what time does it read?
5:12:12
